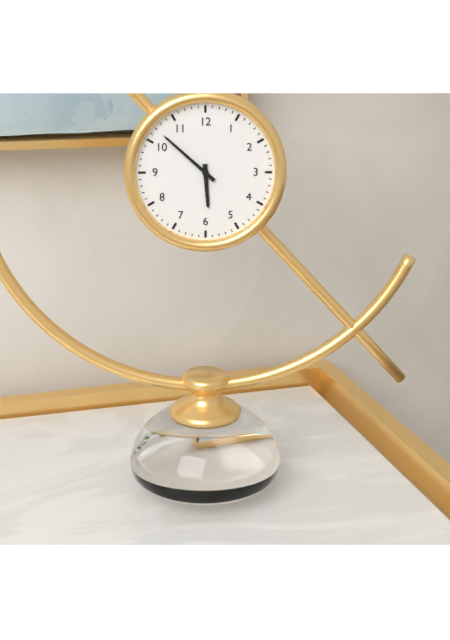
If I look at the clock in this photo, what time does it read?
5:52
